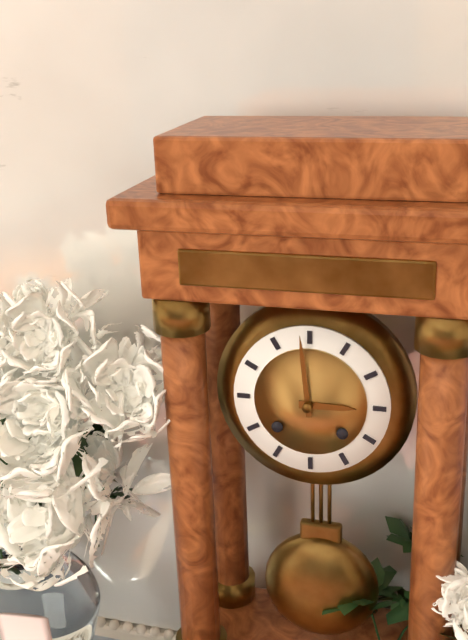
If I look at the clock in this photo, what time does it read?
2:59
